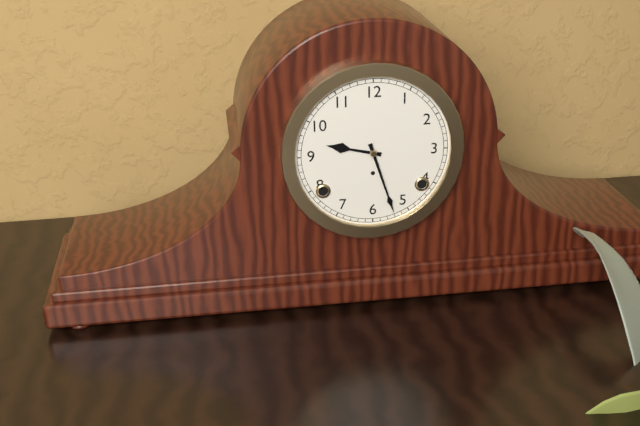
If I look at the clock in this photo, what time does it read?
9:27
